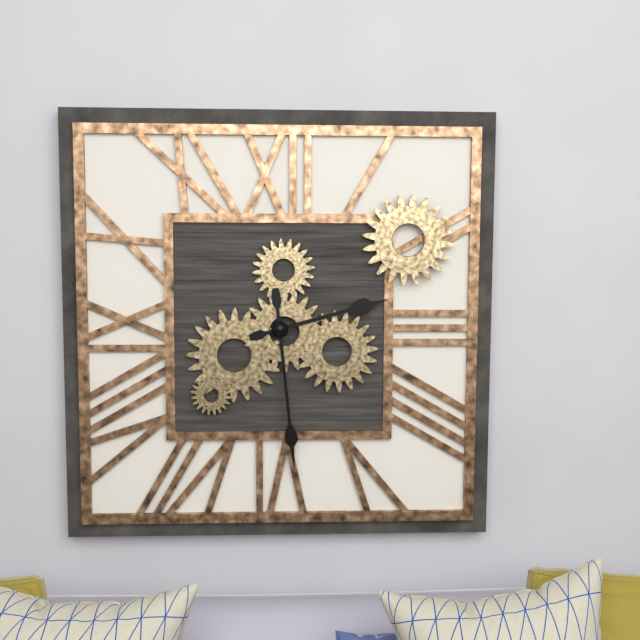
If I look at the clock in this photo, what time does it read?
2:29
